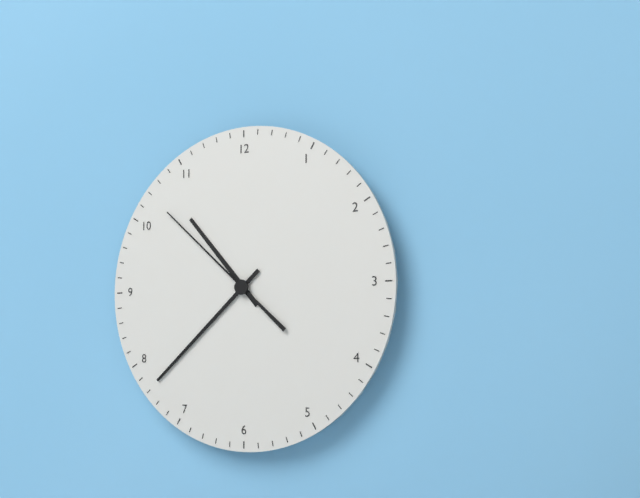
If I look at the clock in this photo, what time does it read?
10:38:52
